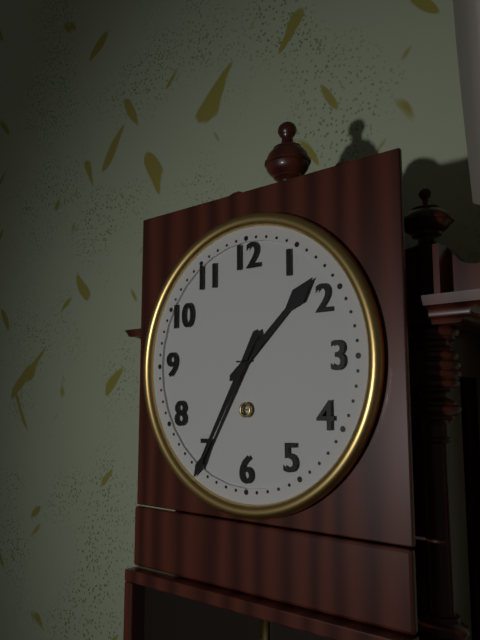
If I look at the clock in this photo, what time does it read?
1:35
